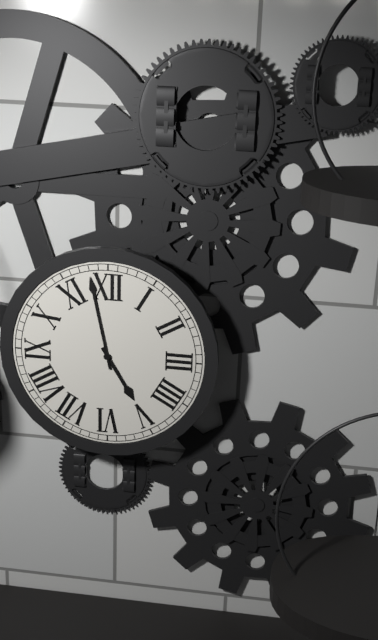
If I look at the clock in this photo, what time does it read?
4:58
